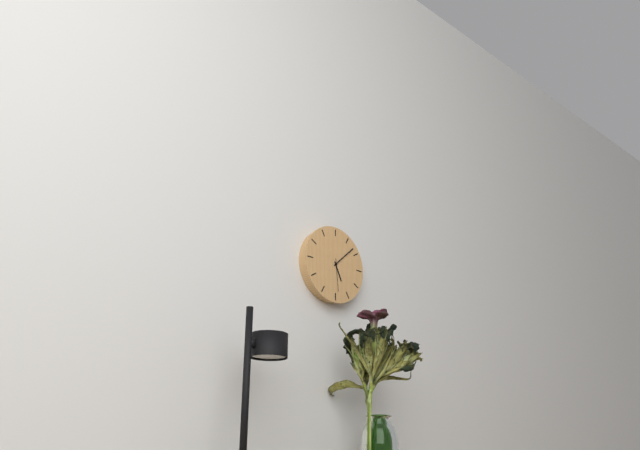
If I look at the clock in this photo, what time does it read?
5:08
